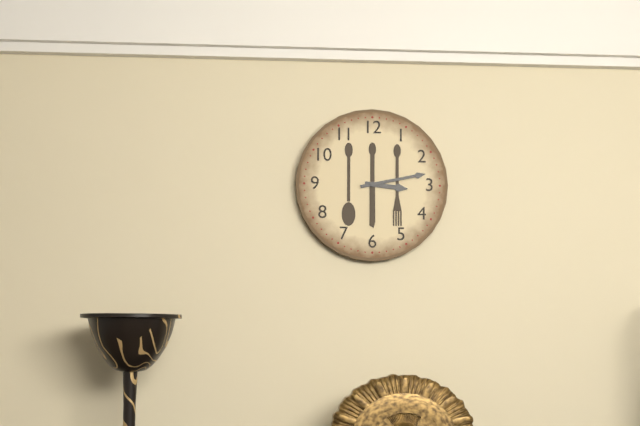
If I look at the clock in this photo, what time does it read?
3:13
